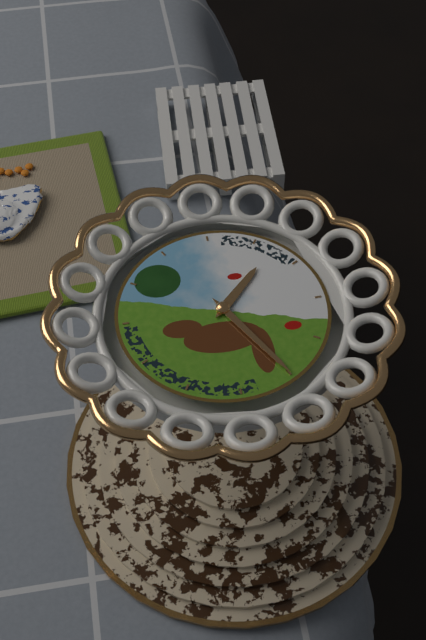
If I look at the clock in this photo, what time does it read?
1:25
